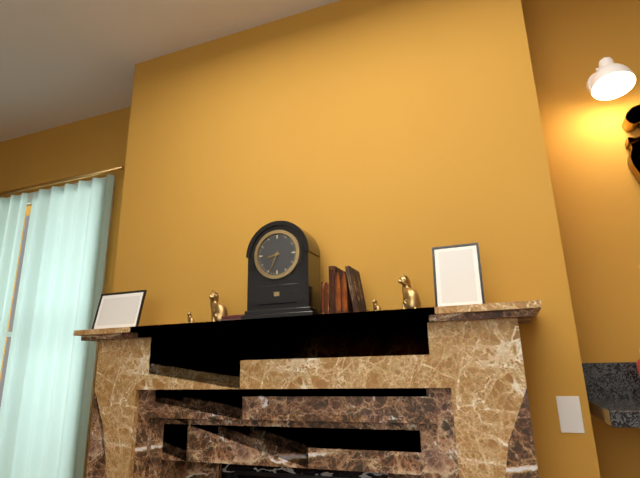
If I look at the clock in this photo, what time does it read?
8:34
